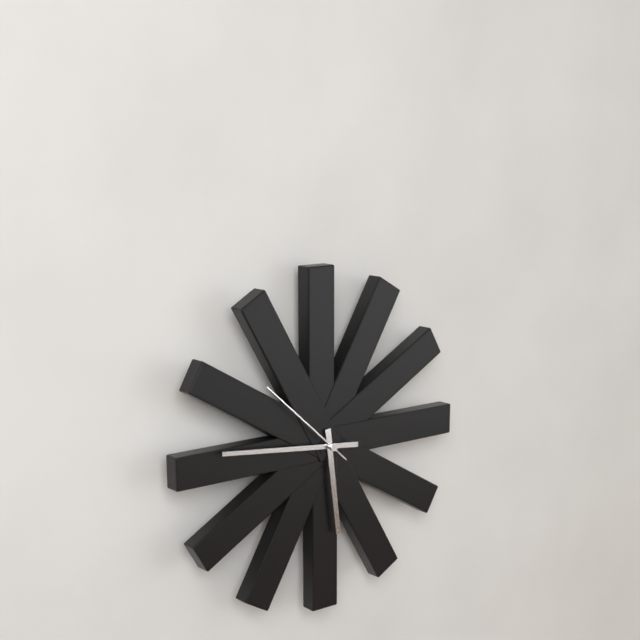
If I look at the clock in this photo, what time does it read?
5:46:52
